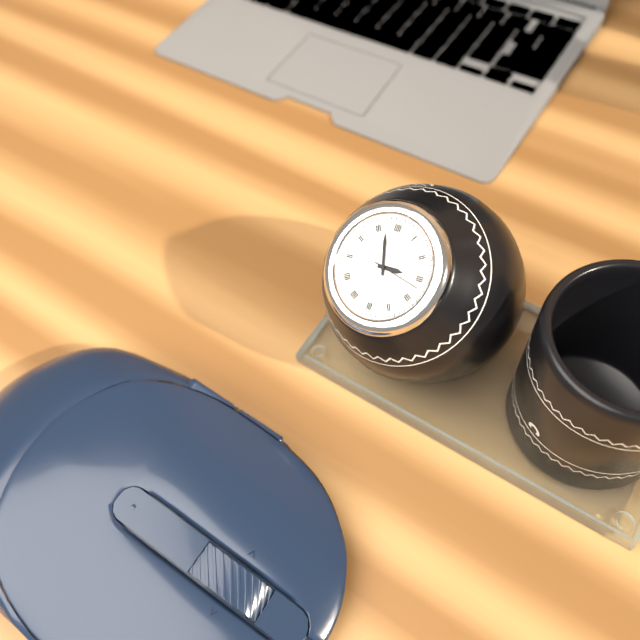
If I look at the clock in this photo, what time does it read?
2:57:17
